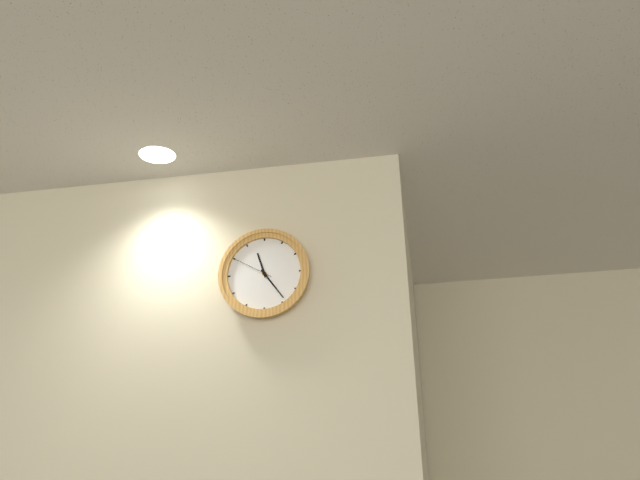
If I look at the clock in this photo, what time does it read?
11:24
